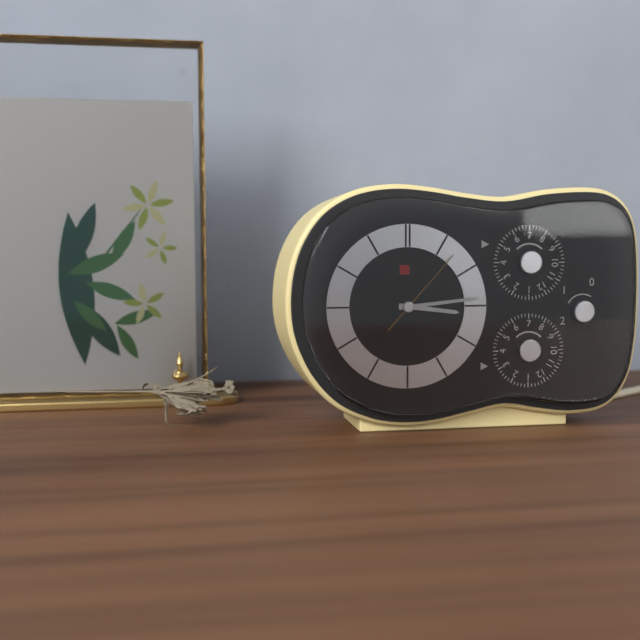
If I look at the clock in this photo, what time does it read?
3:14:07
